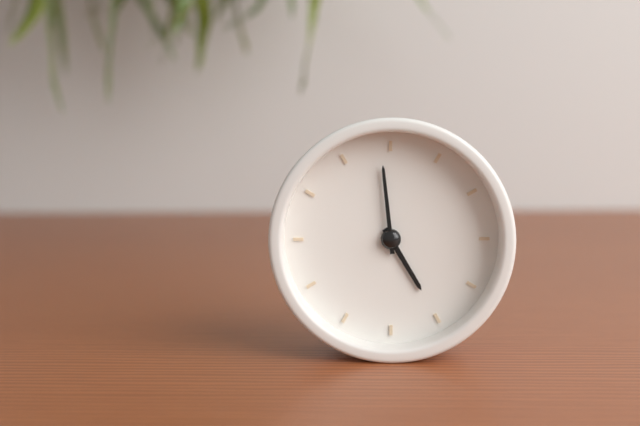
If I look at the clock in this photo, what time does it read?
4:59
